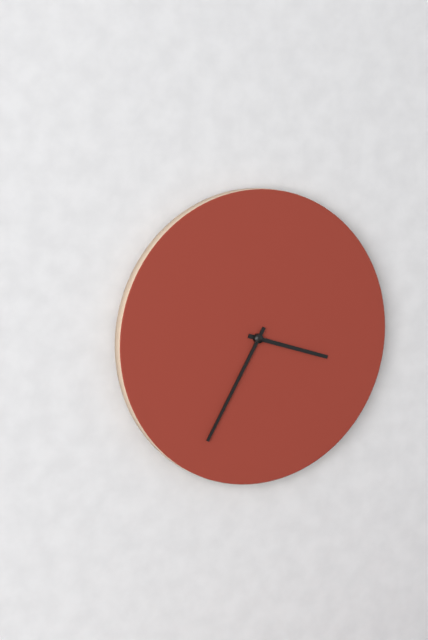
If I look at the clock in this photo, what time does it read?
3:35
